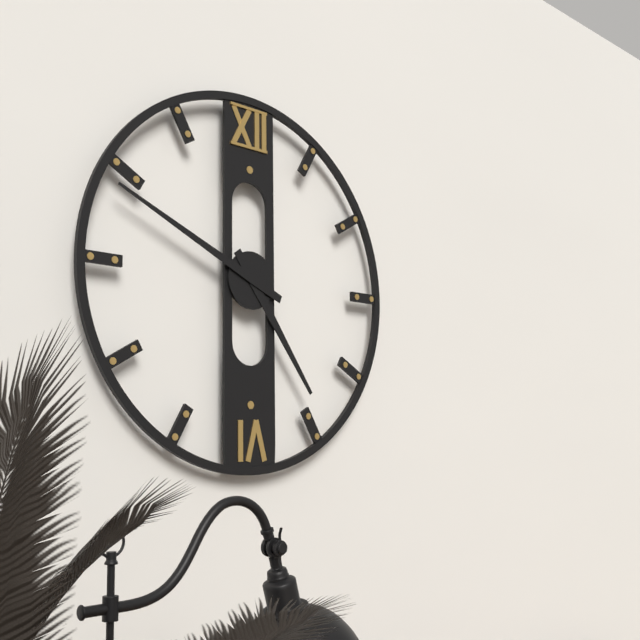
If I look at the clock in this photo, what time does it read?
4:49
